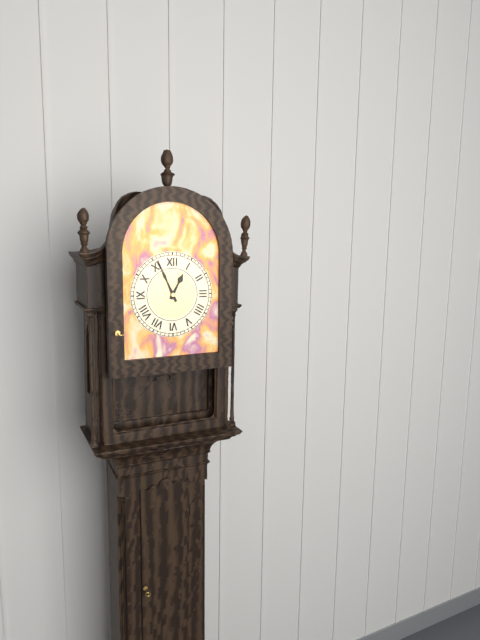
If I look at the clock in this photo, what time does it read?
12:56
